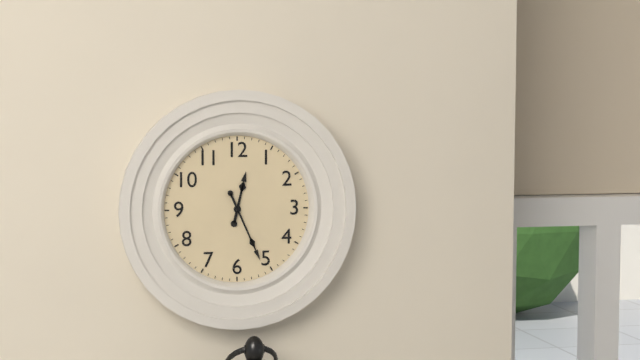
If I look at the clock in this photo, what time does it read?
12:26
